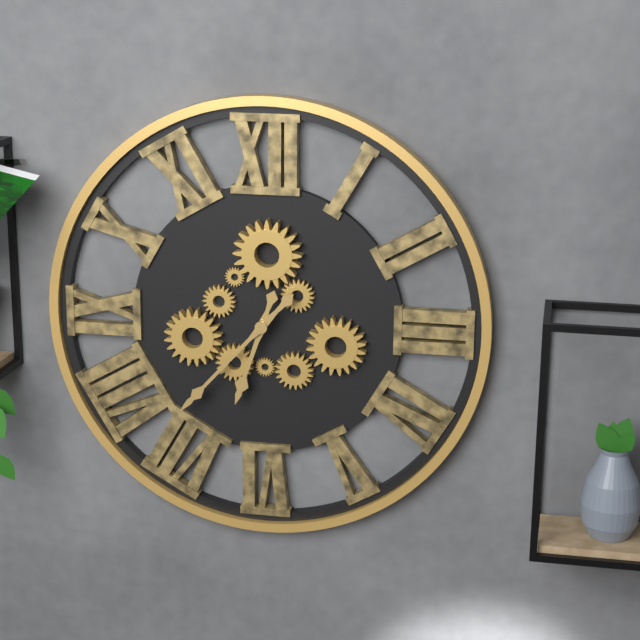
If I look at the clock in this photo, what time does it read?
6:37
